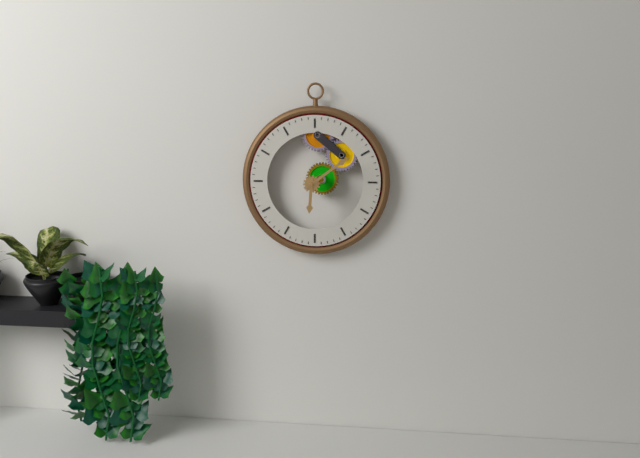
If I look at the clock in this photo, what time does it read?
6:09
